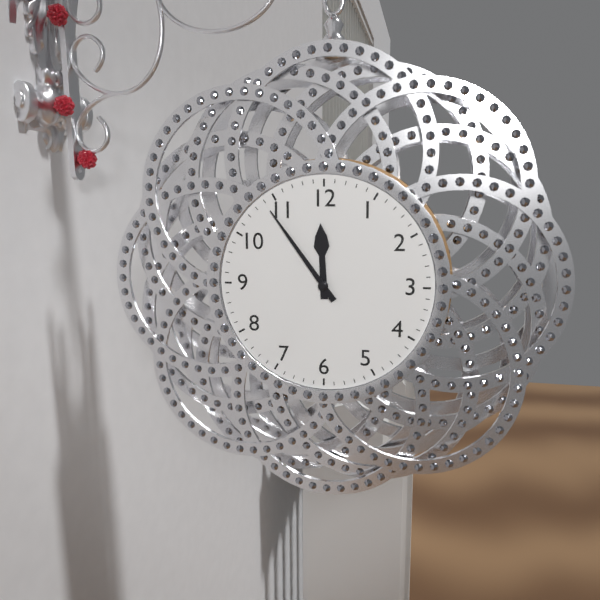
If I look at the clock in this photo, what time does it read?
11:54
